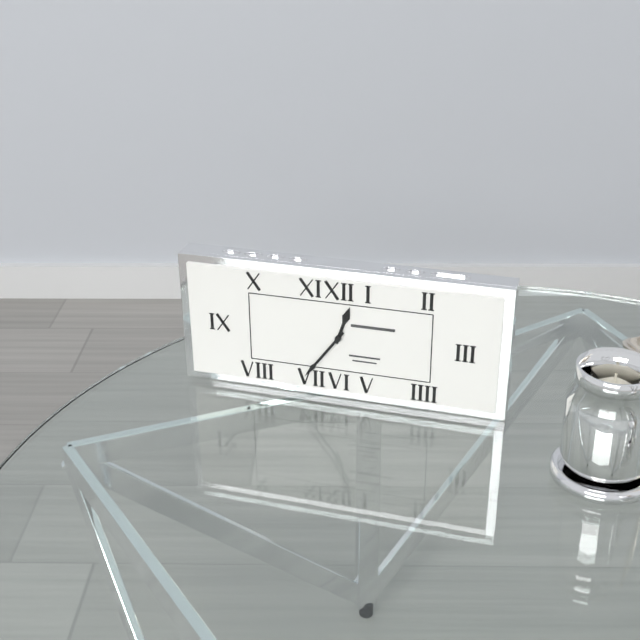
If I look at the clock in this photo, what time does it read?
12:36
